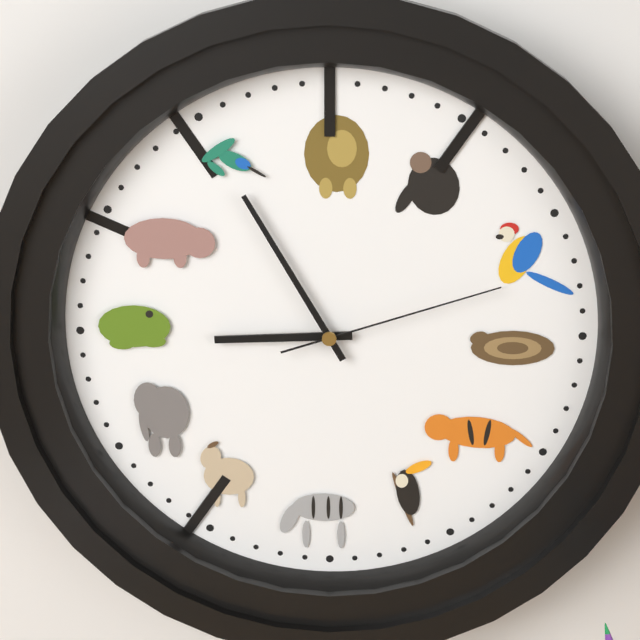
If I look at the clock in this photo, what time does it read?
8:55:12
